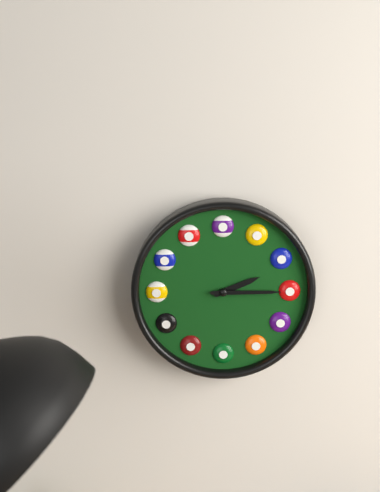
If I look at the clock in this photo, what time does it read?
2:15
